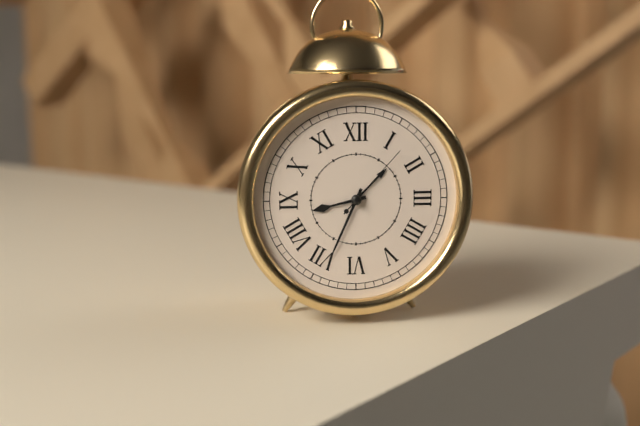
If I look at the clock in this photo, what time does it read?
8:34:07
